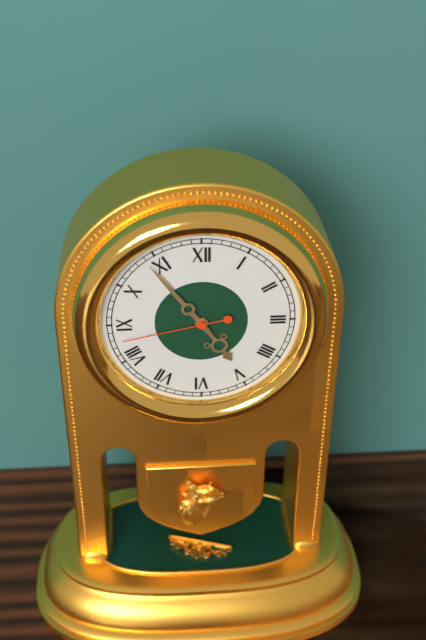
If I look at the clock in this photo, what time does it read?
4:54:43
